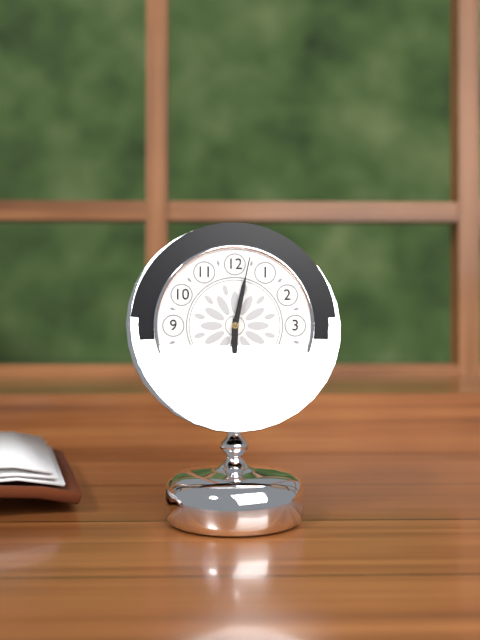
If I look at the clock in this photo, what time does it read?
6:02:02
